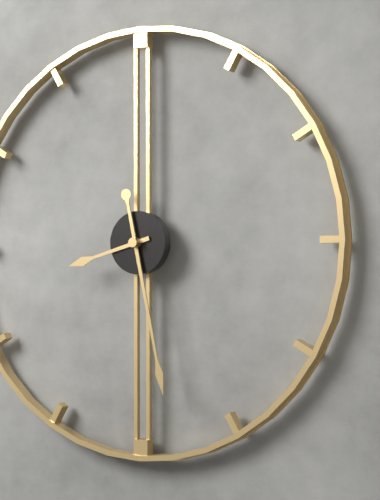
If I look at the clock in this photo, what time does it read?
8:28
